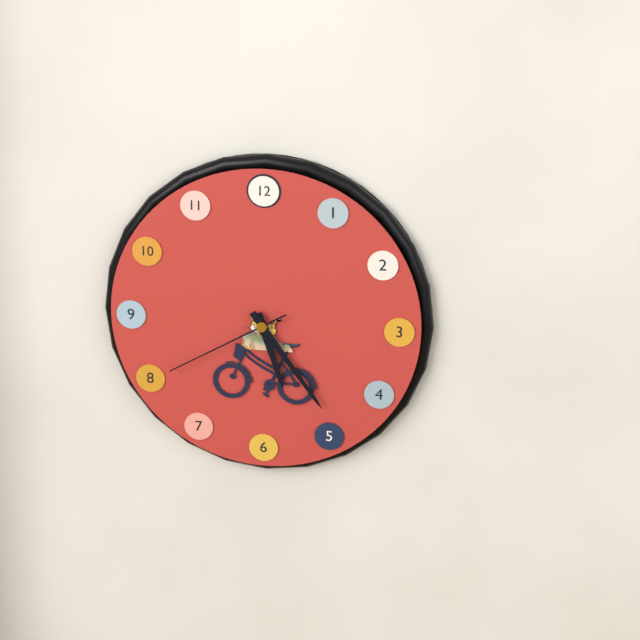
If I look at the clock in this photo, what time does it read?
5:24:40
